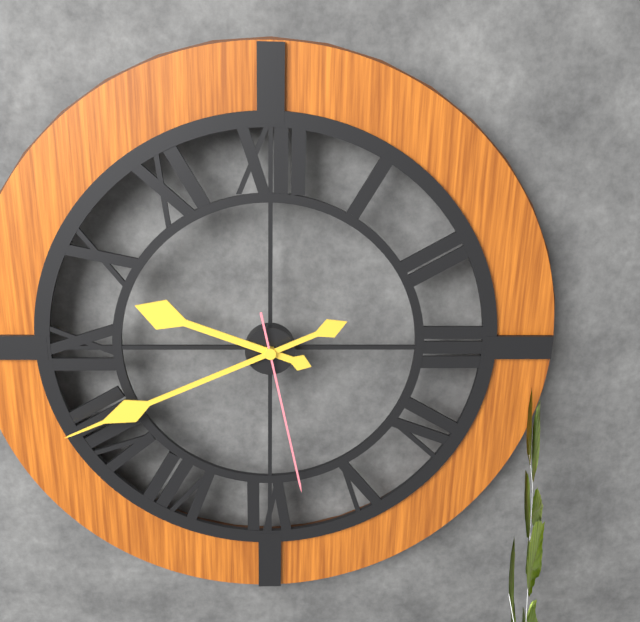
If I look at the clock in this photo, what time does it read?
9:41:28
